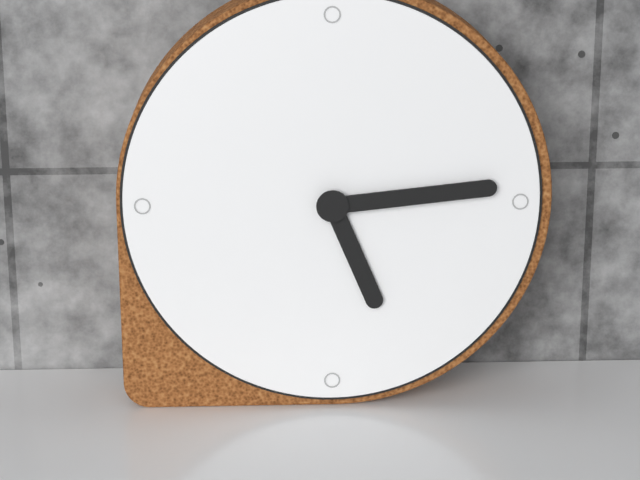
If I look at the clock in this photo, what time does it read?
5:14
